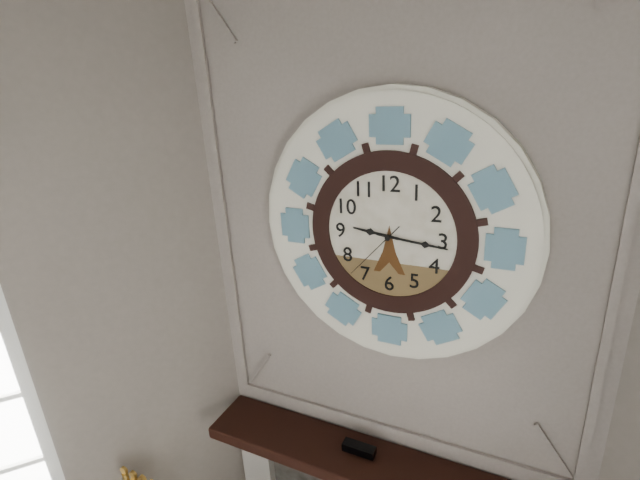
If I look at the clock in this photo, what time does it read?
9:16:37
